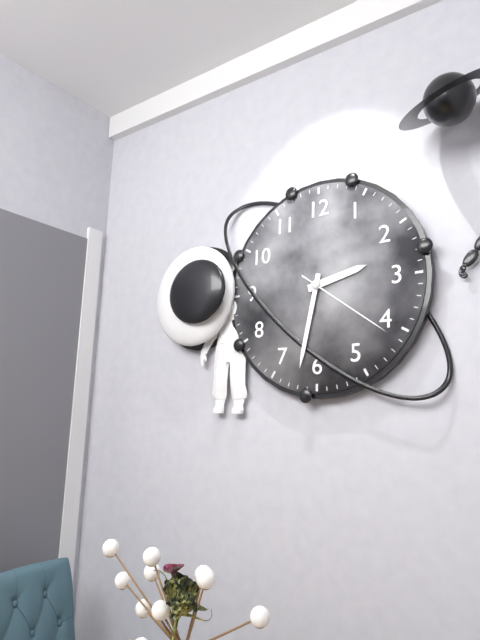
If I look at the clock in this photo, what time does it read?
2:32:21
